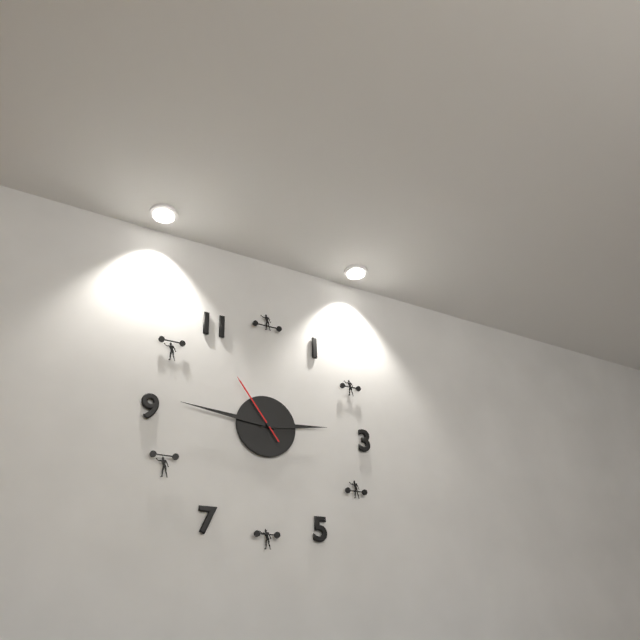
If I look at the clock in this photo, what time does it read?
2:46:54
